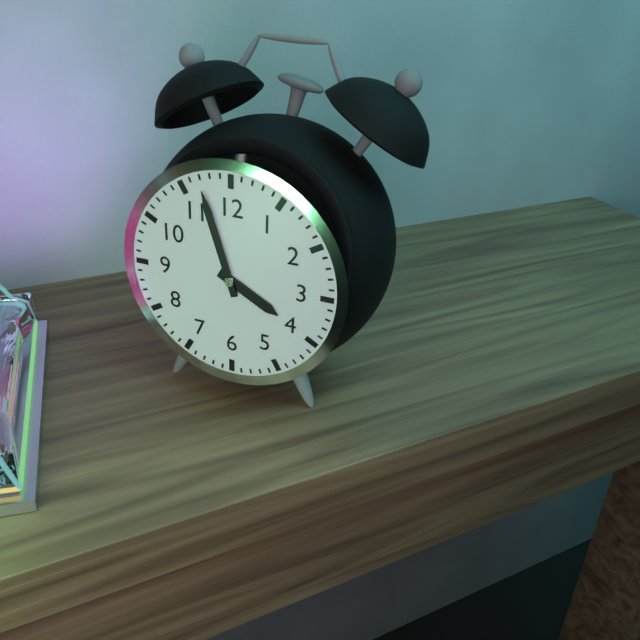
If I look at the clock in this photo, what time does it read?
3:57
